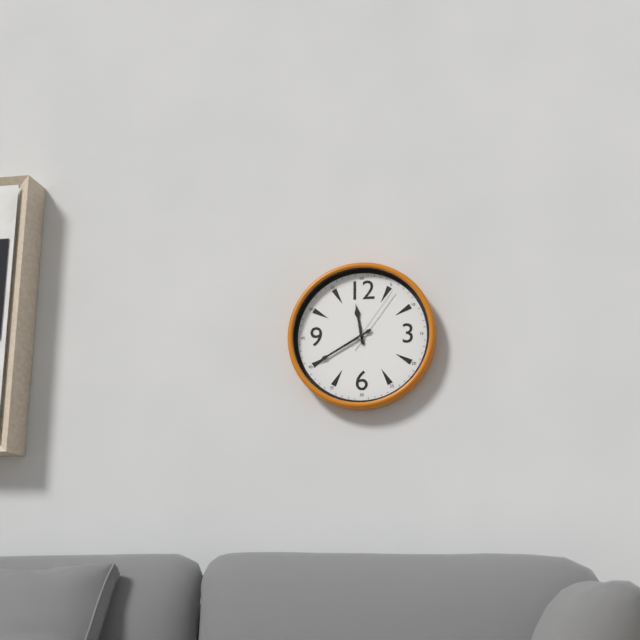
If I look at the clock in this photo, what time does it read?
11:40:06
